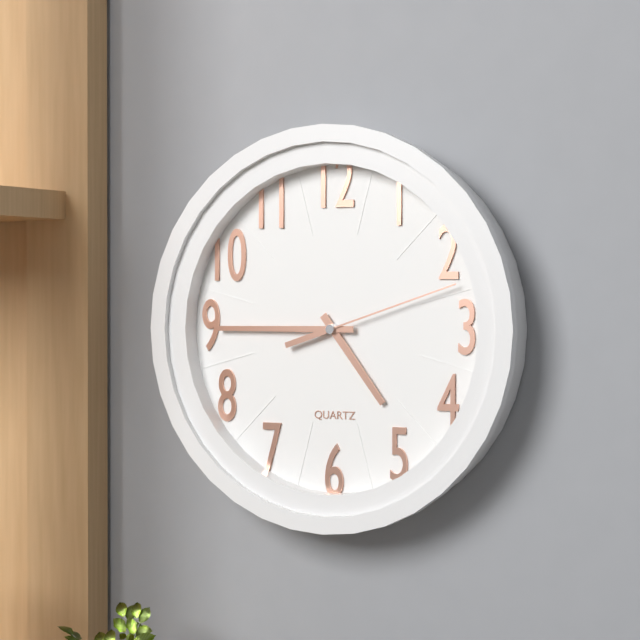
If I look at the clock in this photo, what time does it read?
4:45:12
